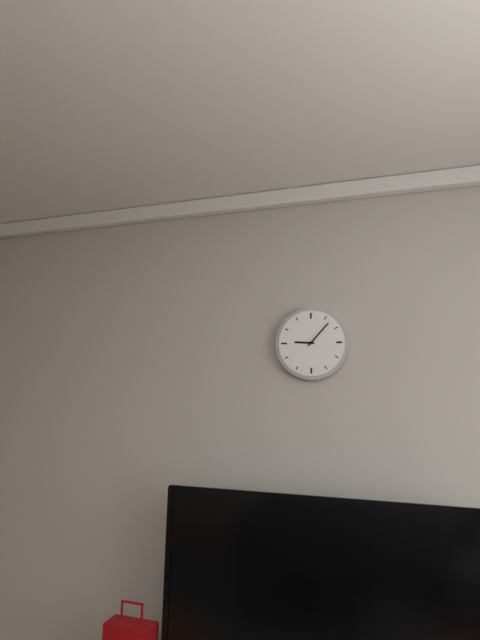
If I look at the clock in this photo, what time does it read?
9:07
